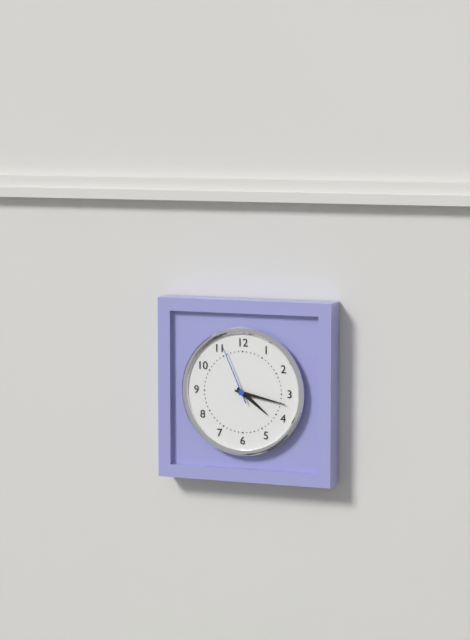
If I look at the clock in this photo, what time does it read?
4:17:56
